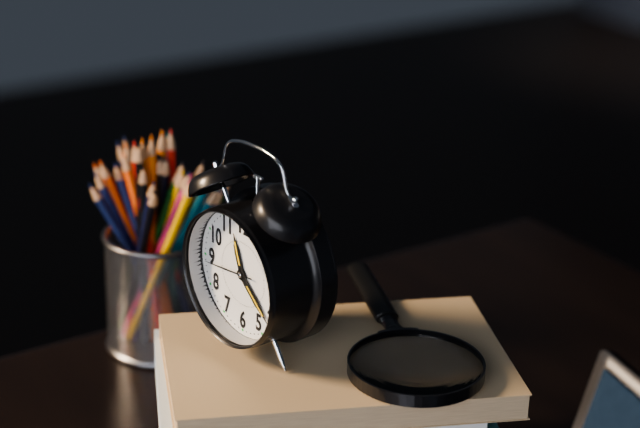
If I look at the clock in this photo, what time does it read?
11:22
